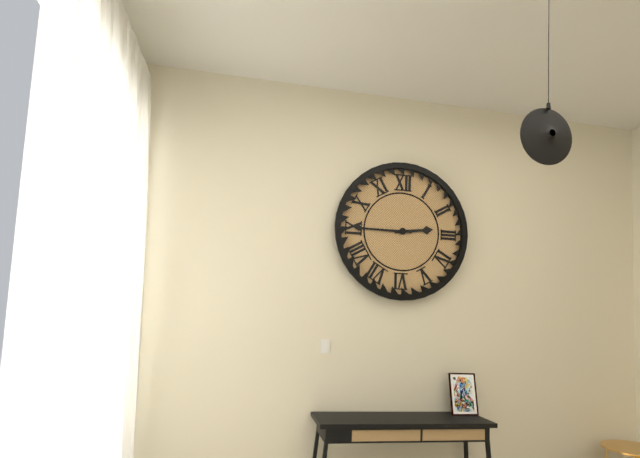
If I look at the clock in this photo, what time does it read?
2:45
